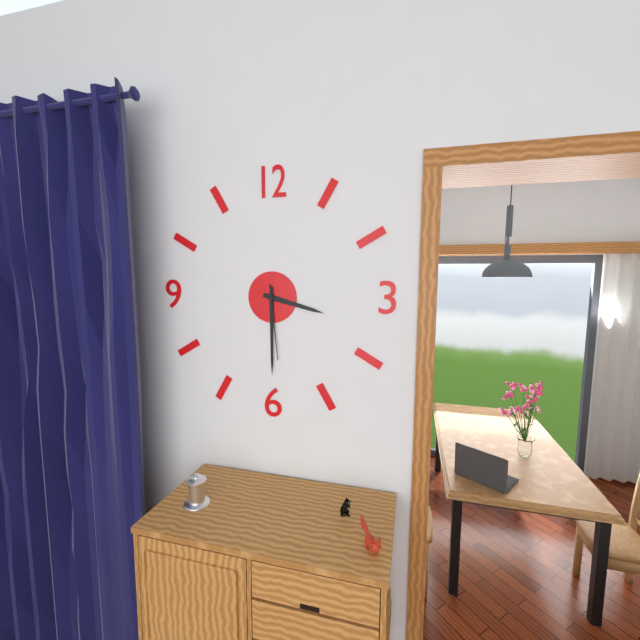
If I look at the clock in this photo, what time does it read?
3:30:29
